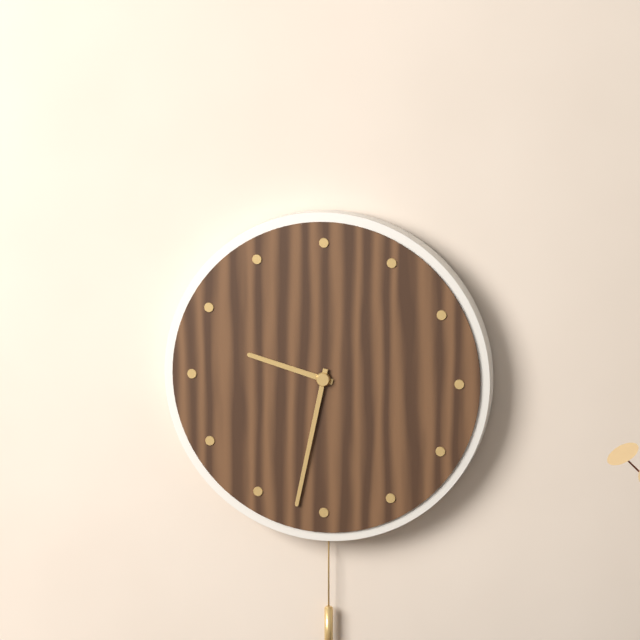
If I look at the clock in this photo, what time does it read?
9:32
